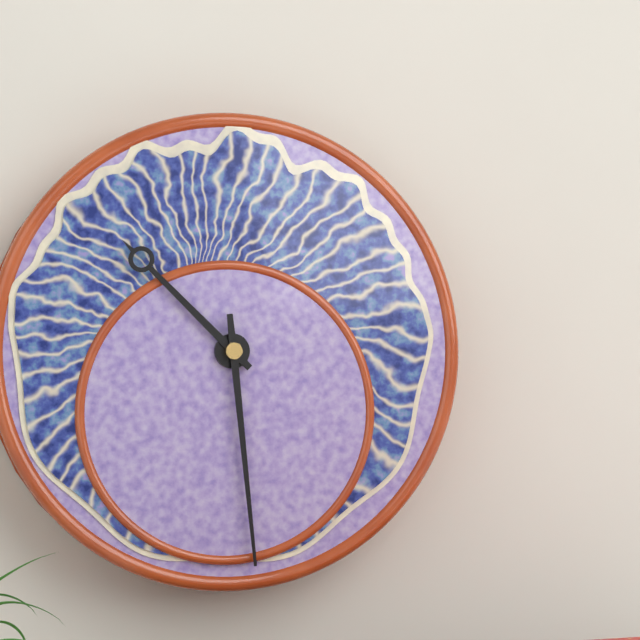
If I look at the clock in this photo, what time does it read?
10:29
